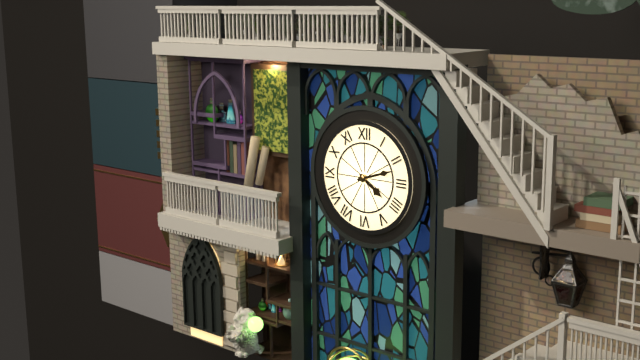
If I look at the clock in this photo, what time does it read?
4:12
